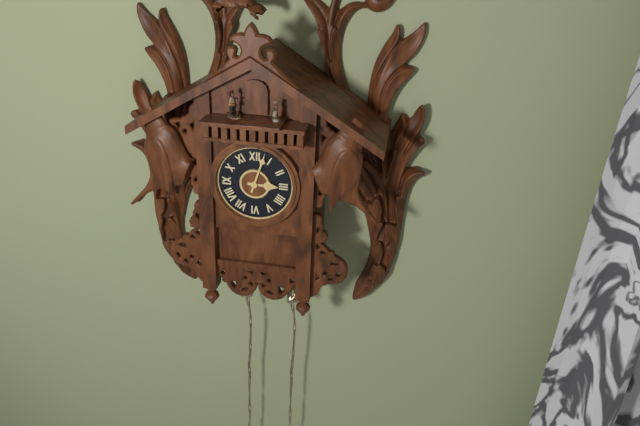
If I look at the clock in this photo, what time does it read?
3:03
